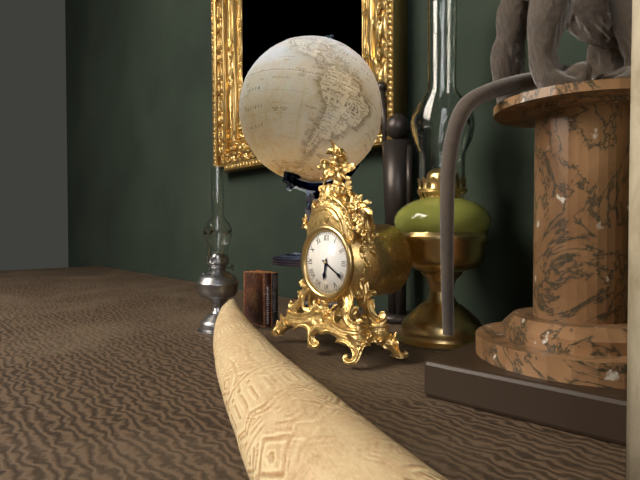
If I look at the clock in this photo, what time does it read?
6:20
